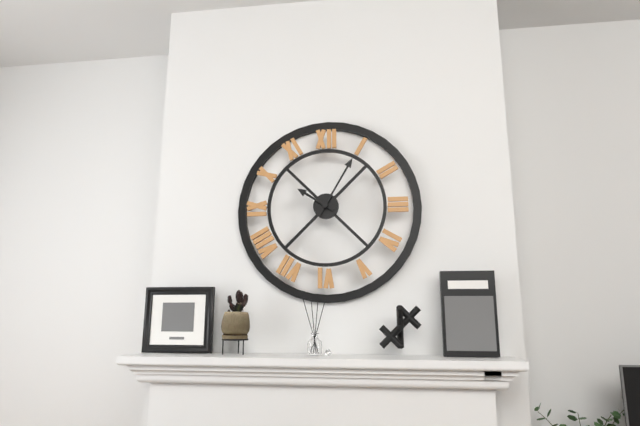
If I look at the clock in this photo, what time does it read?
10:05
